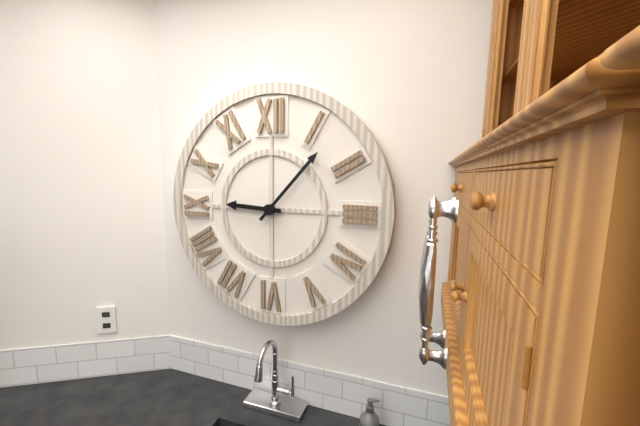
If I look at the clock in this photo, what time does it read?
9:07
